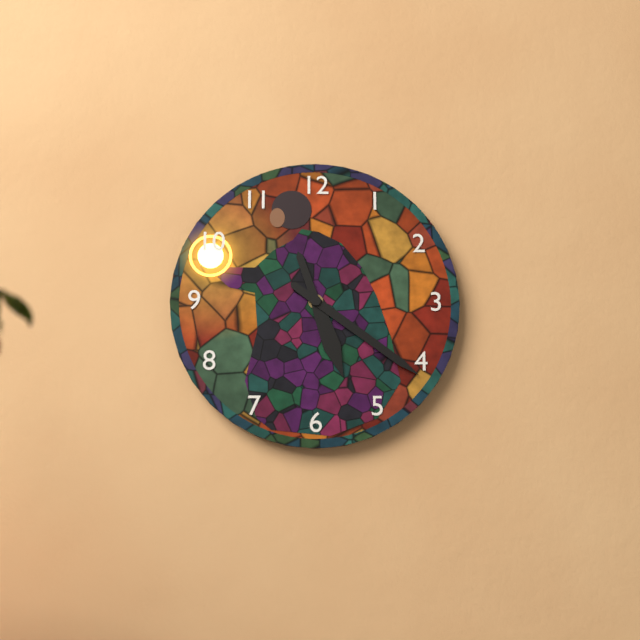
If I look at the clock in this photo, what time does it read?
5:21
